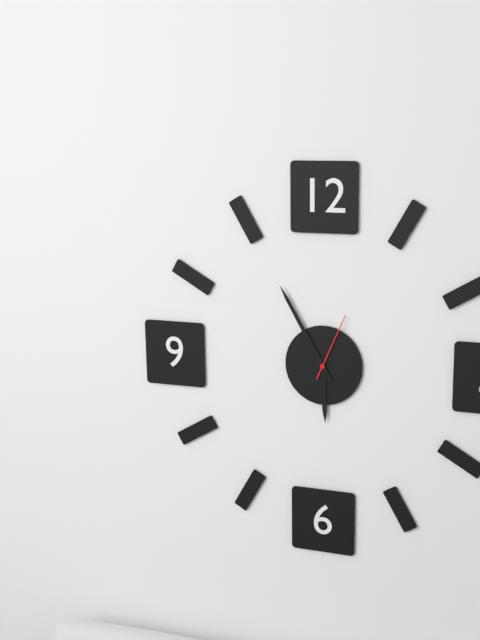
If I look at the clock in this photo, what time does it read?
5:55:04
